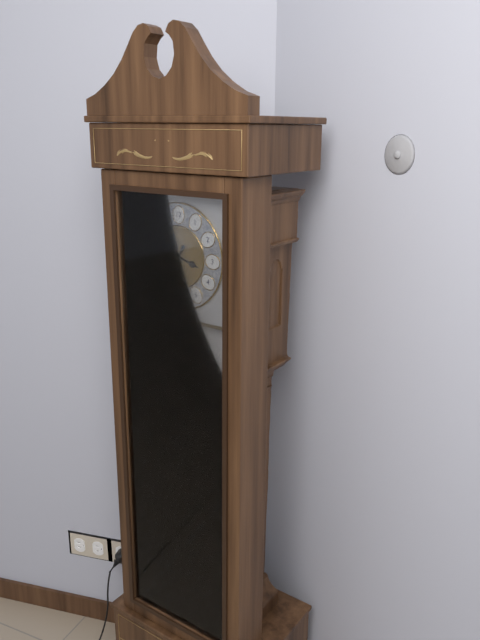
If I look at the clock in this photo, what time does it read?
3:35
